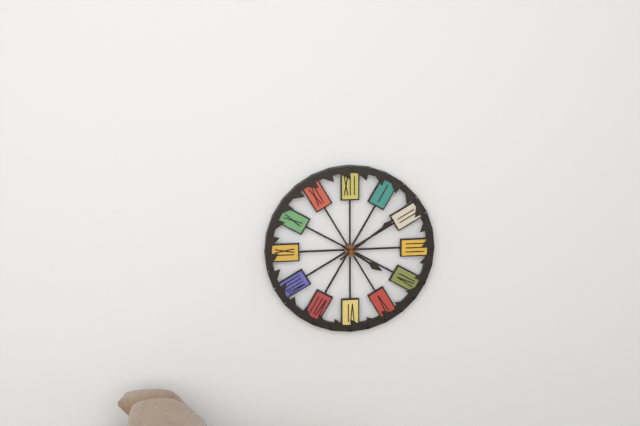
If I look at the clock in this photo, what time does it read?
4:09
